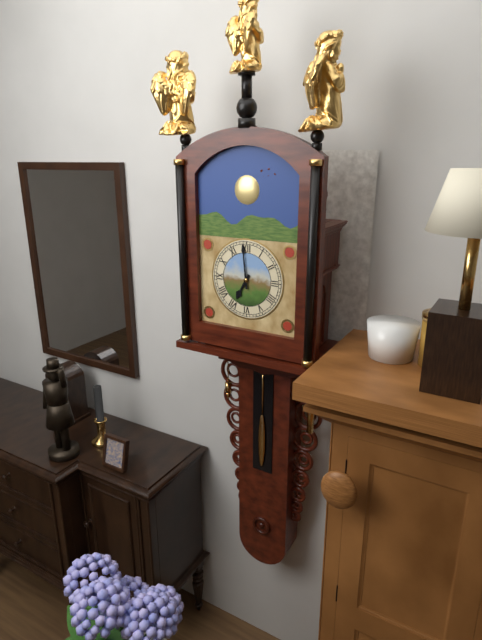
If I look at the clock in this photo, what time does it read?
6:59
